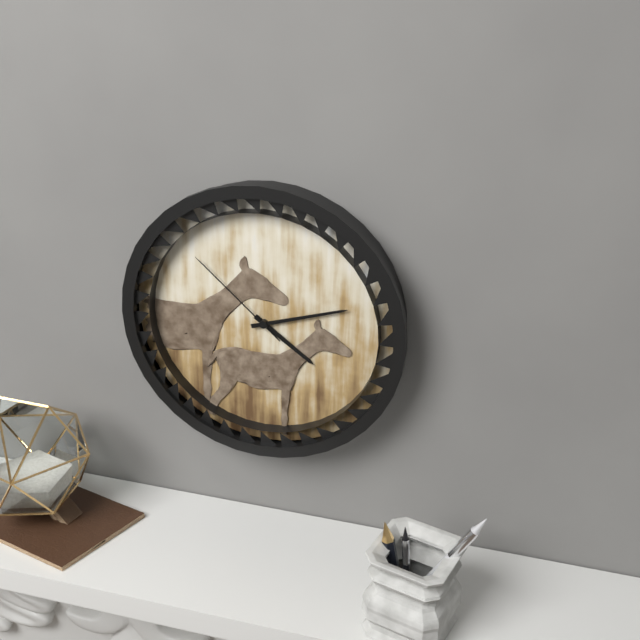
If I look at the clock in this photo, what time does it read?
4:12:52
